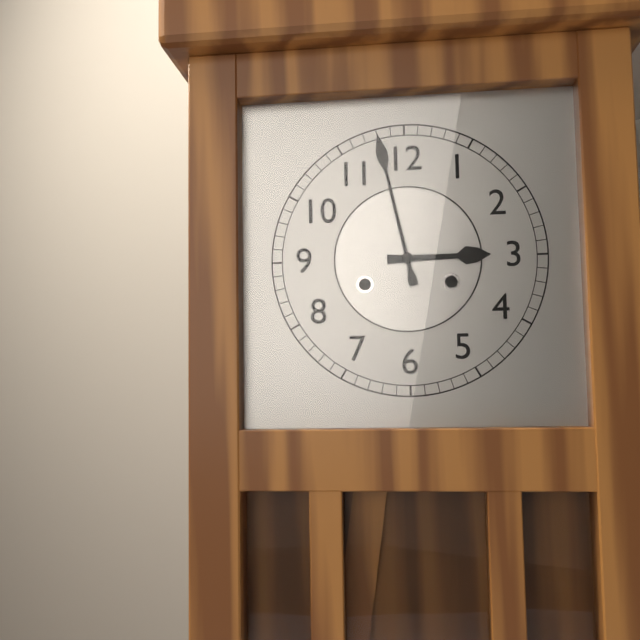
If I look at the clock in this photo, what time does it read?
2:58
